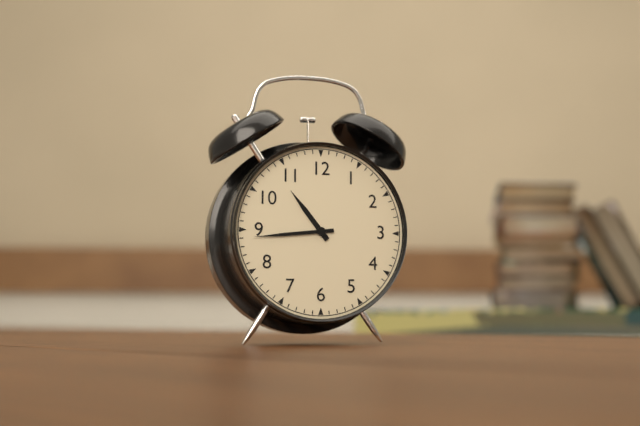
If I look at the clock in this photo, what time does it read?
10:44
